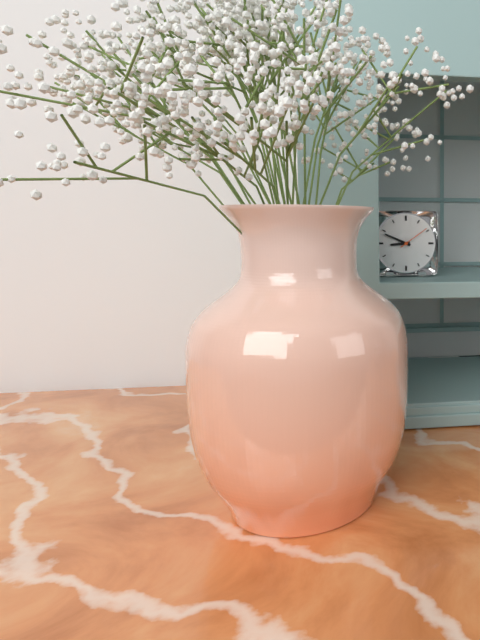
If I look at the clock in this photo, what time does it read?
8:49
